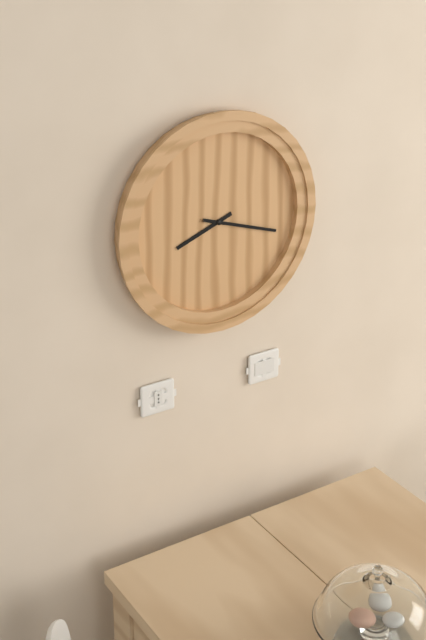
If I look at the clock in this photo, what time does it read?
8:18
